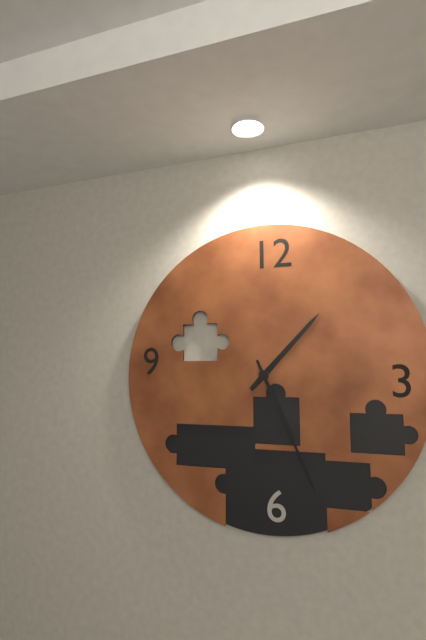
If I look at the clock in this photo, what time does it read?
1:26
